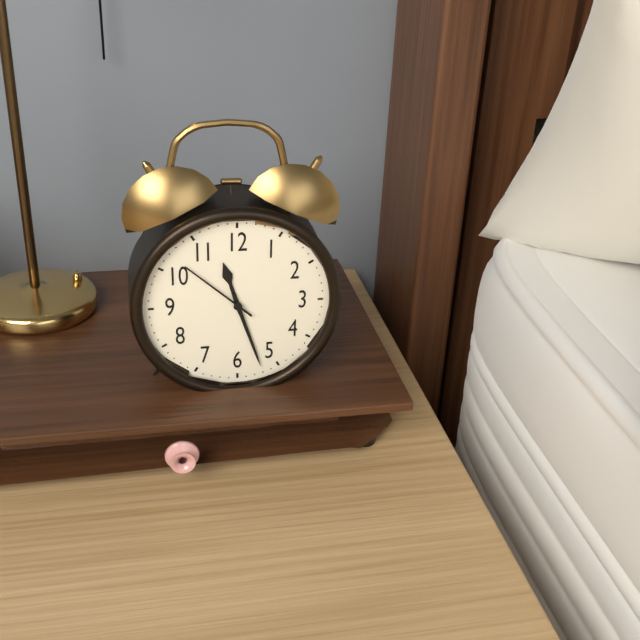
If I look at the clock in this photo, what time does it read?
11:27:52
